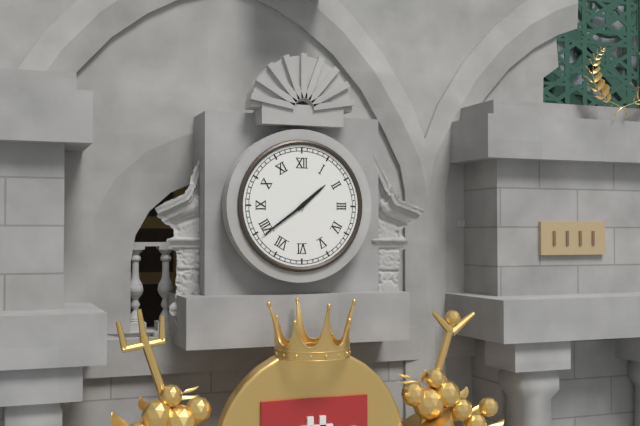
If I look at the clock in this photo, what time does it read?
1:39
